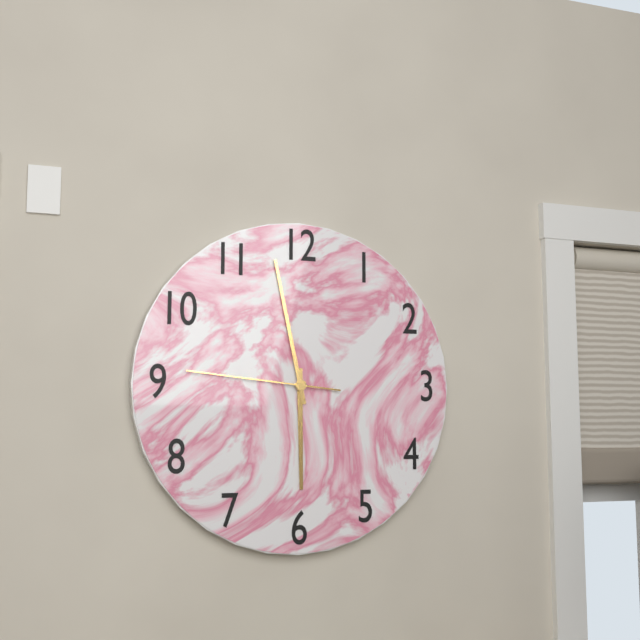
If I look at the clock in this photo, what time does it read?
5:58:46
